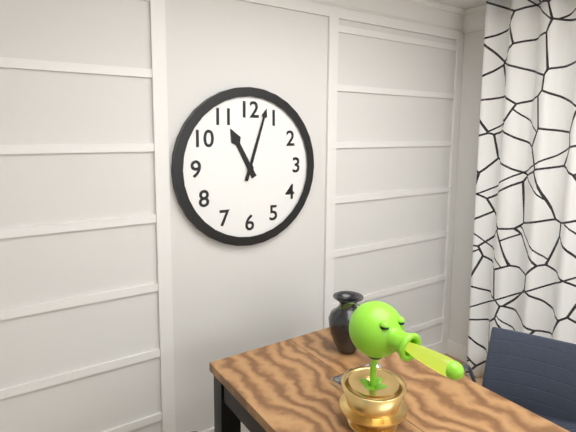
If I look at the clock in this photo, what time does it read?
11:03
